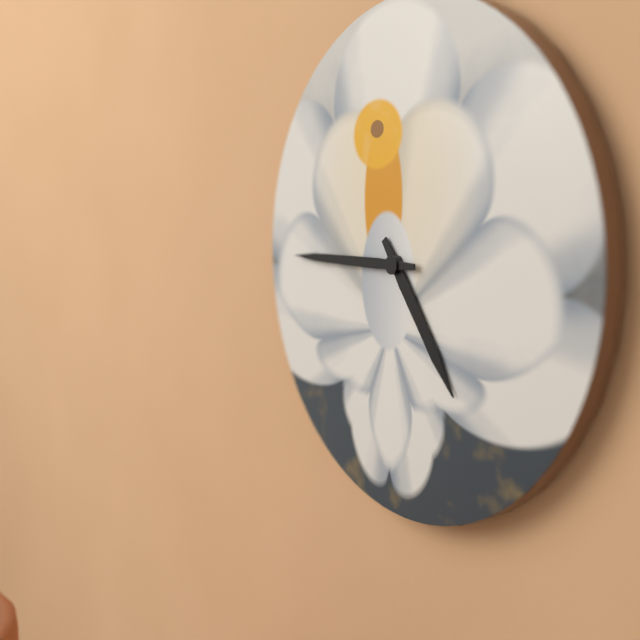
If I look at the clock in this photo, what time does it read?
4:45
